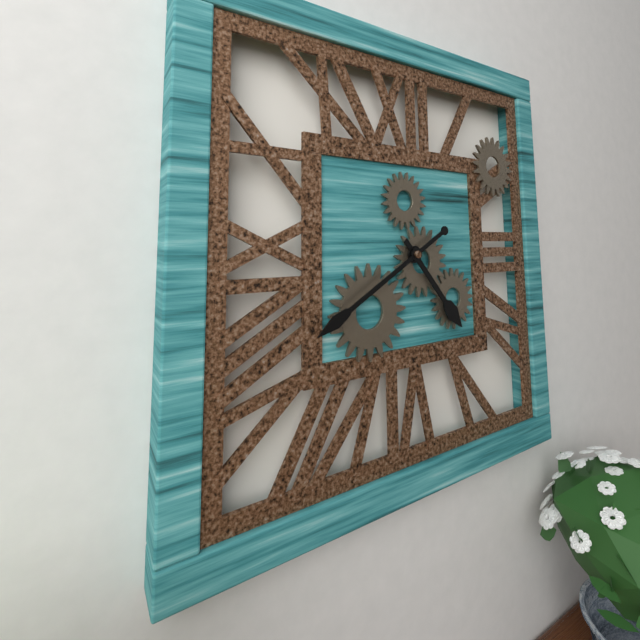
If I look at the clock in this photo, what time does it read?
4:40
